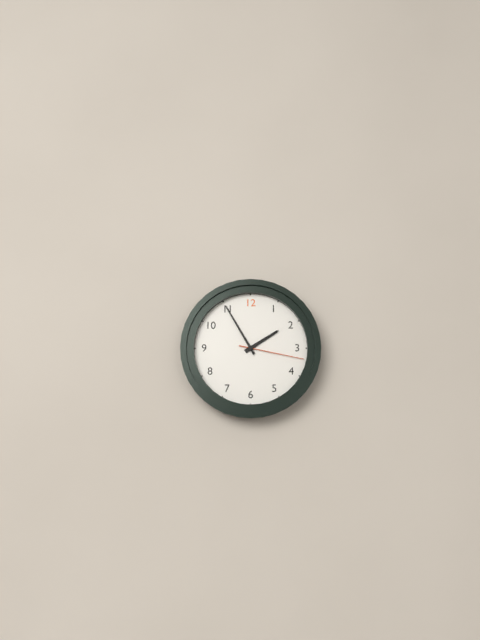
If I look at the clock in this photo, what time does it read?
1:55:17
